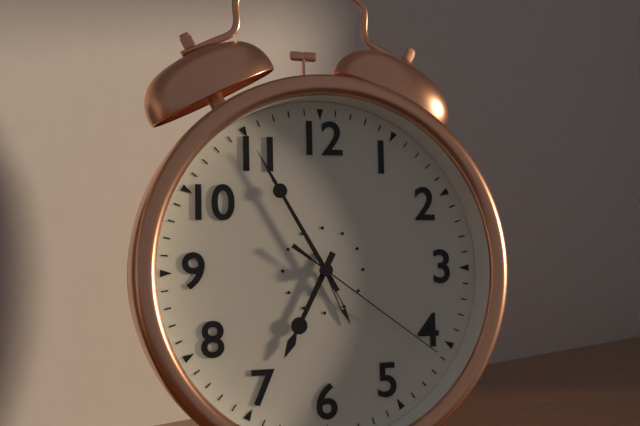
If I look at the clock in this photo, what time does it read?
6:55:21
